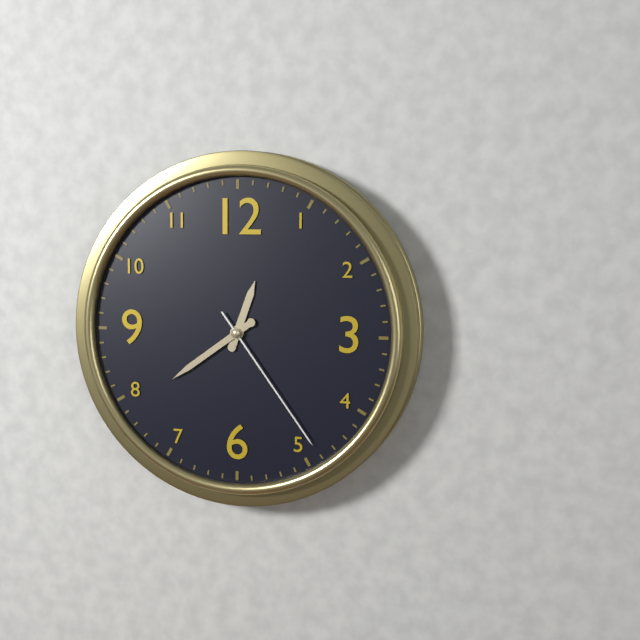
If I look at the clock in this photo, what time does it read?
12:39:24
